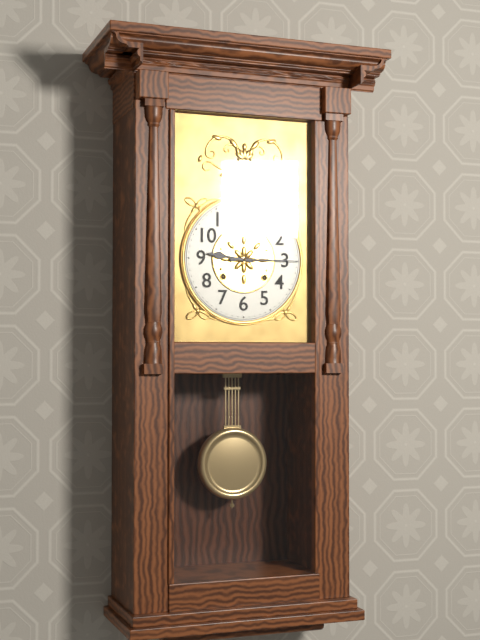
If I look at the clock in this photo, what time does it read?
9:15
